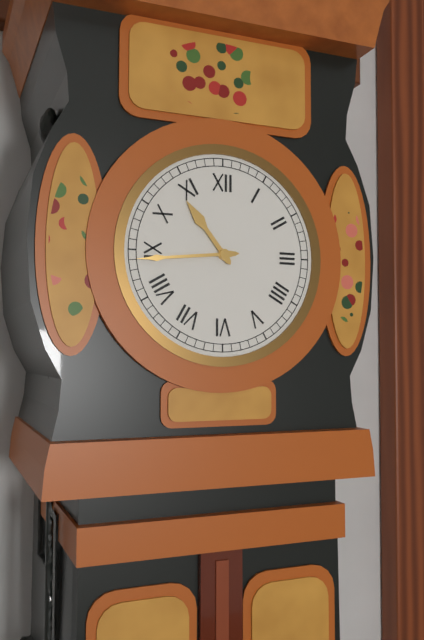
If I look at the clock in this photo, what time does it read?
10:44
